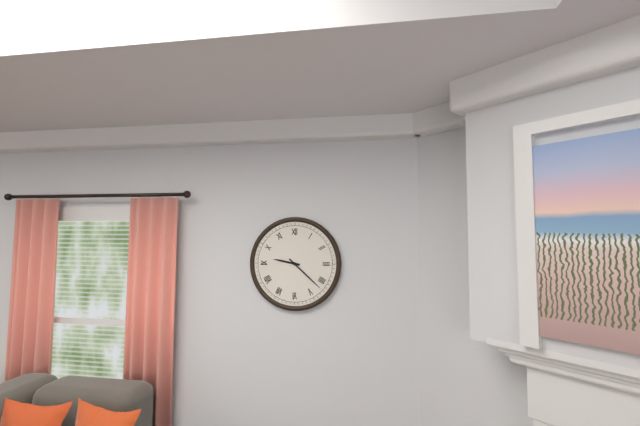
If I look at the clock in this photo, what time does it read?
9:22
